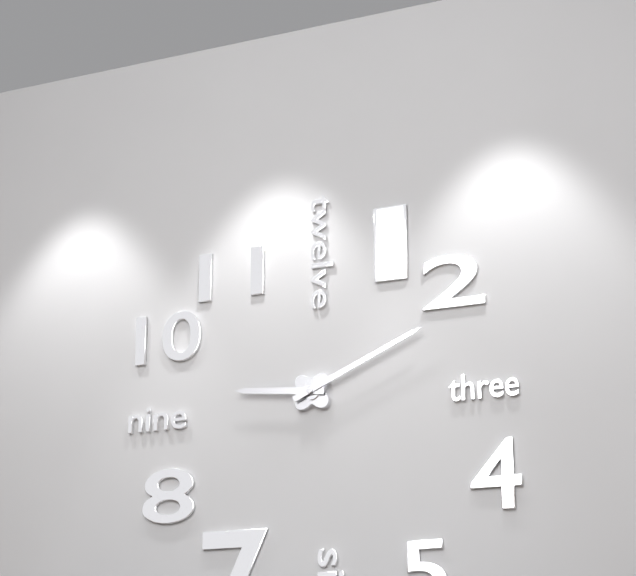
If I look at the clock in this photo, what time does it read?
9:11
